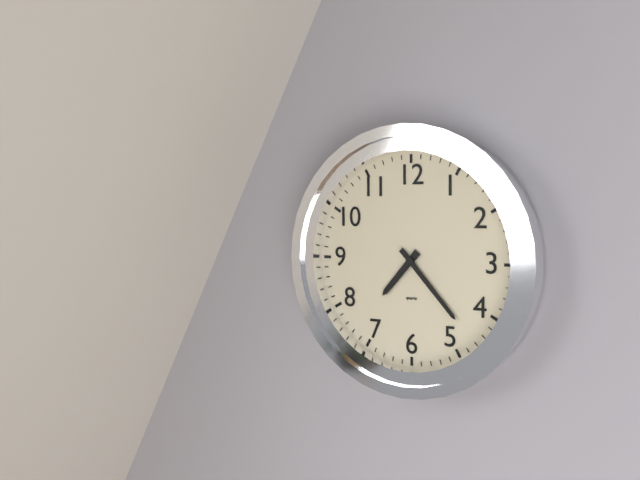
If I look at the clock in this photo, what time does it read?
7:23
